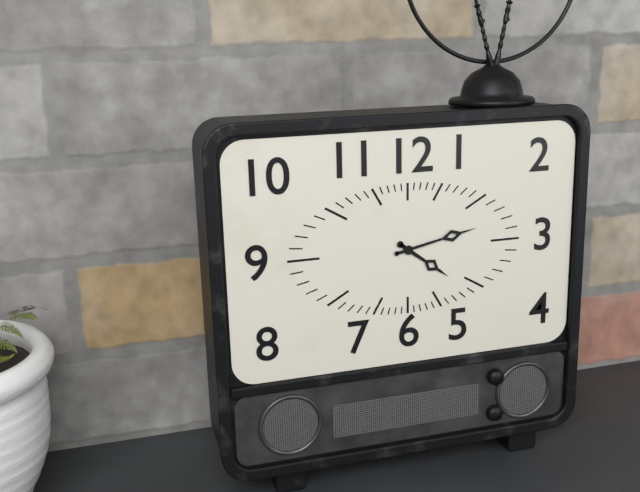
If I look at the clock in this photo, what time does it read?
4:13
